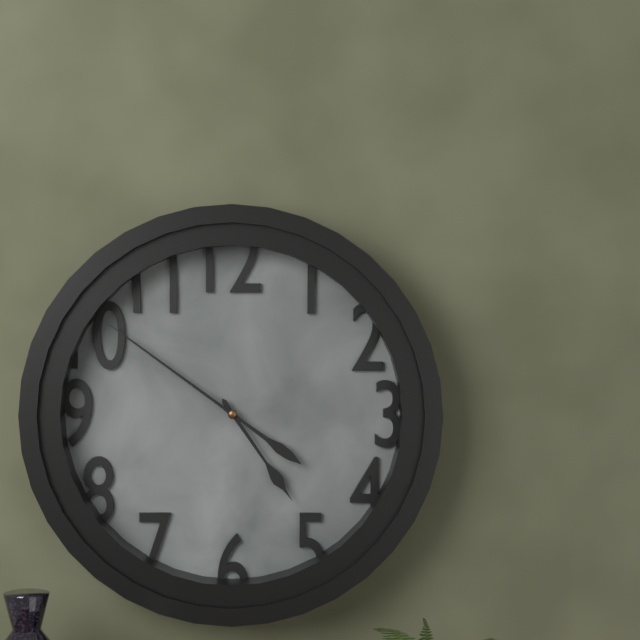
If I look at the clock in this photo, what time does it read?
4:51
